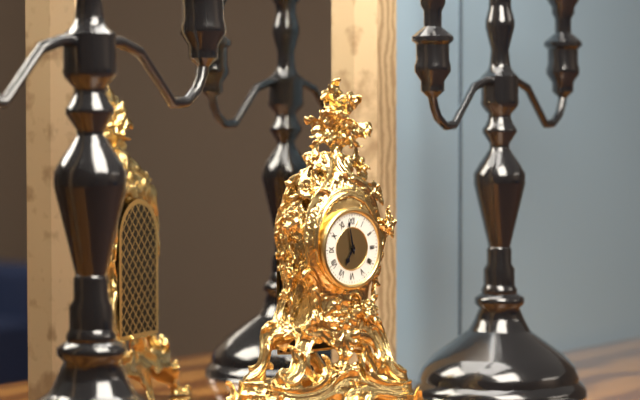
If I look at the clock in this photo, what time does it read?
6:58
